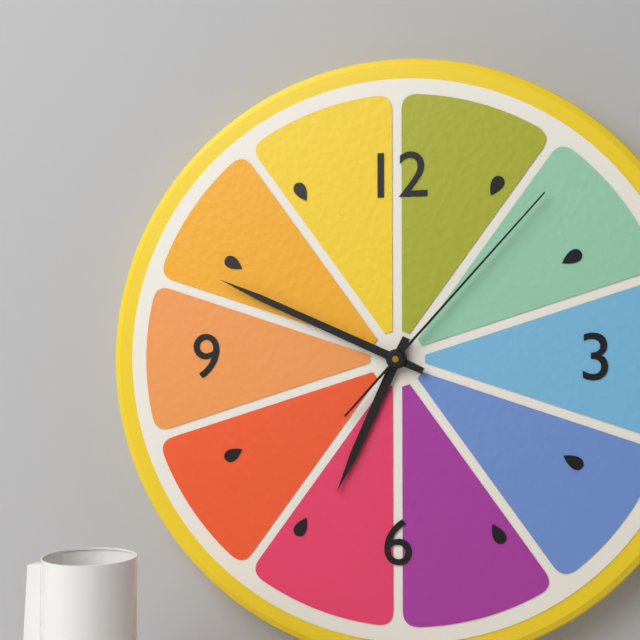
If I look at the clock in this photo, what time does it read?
6:49:07
